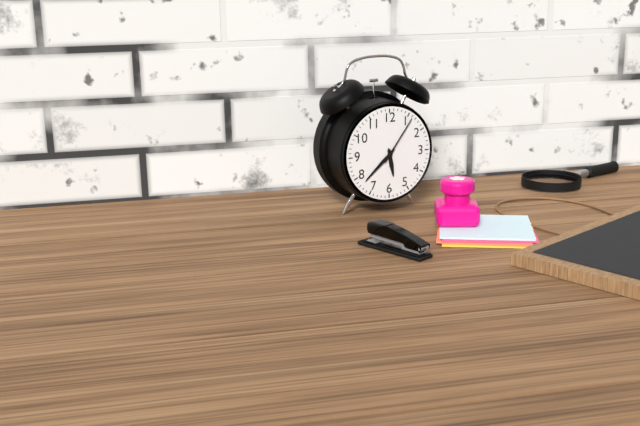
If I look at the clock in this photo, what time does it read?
5:38:06
